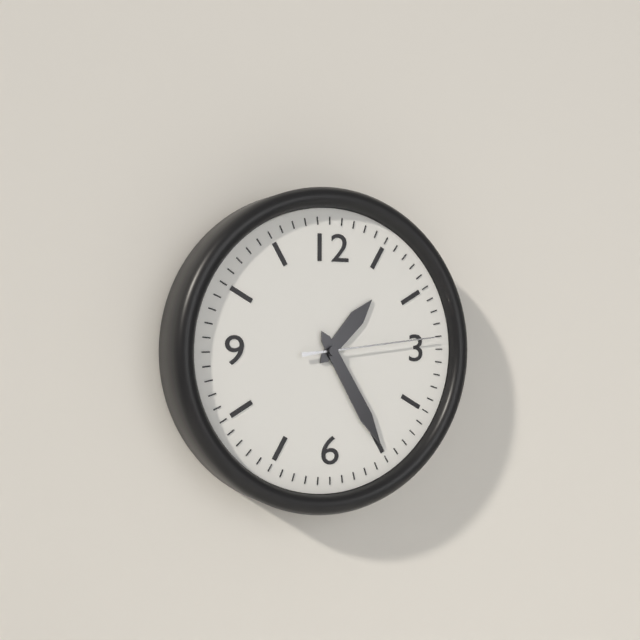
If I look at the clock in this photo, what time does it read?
1:25:14
